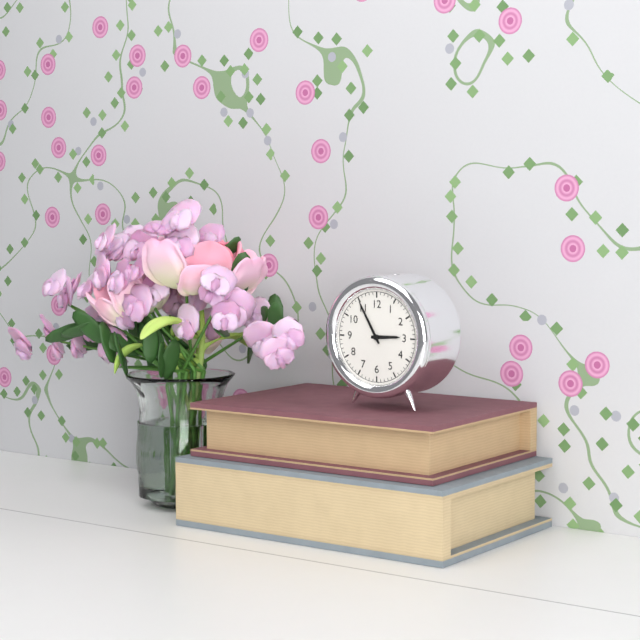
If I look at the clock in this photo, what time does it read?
2:55
